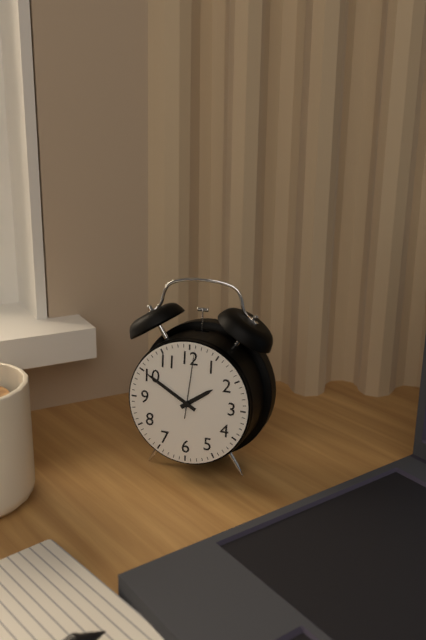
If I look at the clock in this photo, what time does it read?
1:50:01
